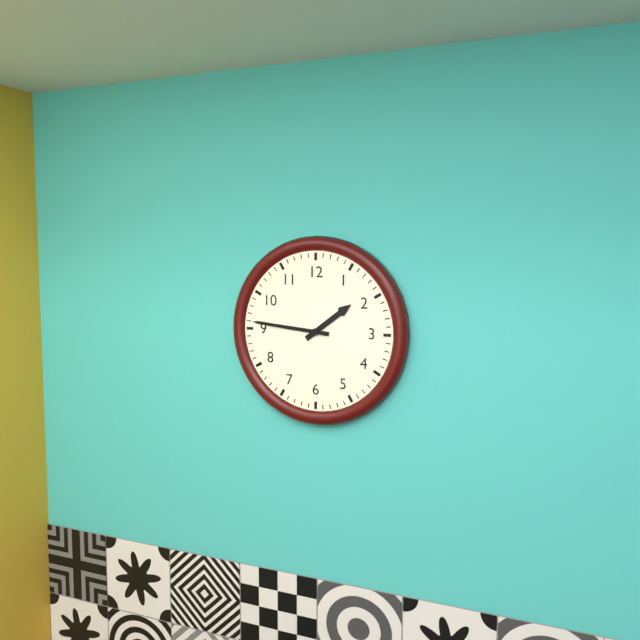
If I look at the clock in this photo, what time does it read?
1:46
